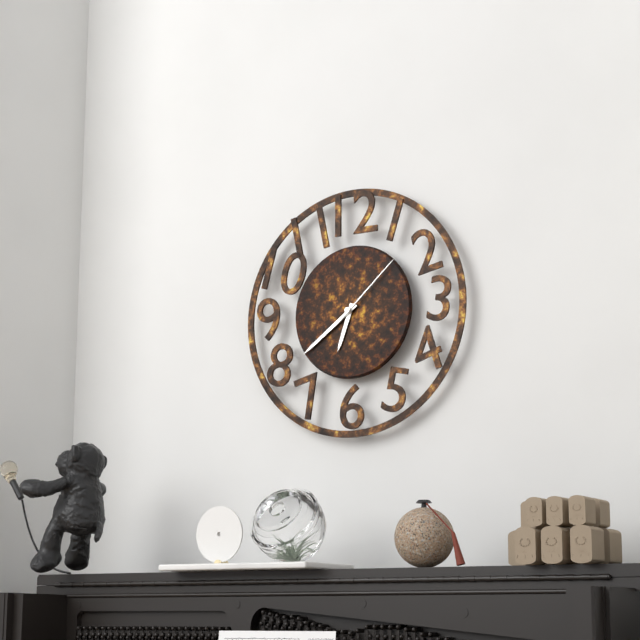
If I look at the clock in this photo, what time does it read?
6:39:08
